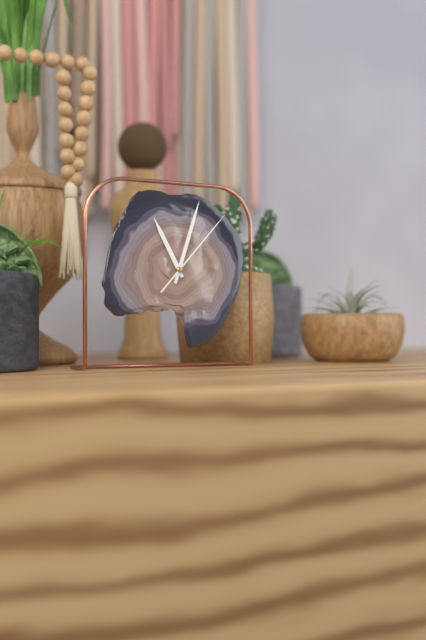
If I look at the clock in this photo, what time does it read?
11:03:07
